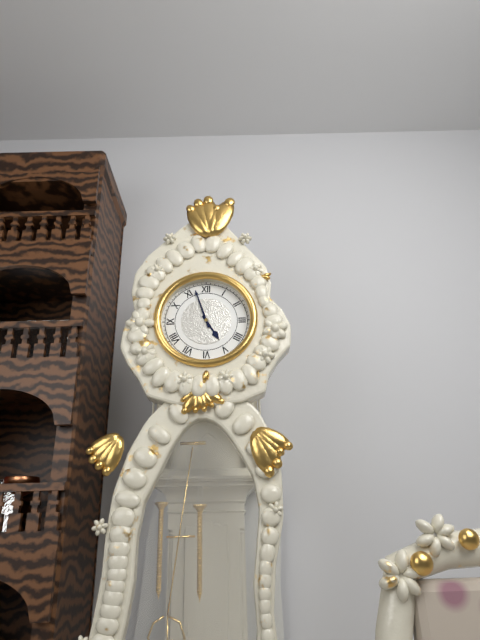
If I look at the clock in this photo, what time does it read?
4:57
